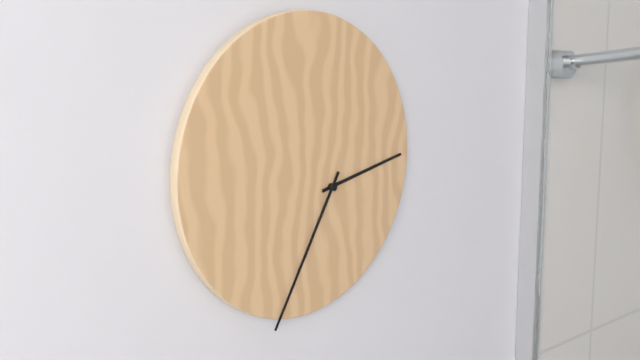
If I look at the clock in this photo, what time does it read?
2:35
